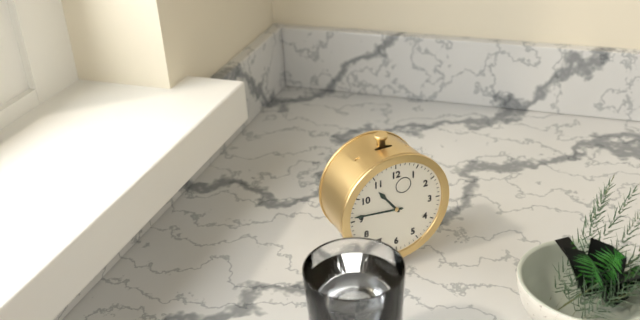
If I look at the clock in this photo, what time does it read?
10:46
